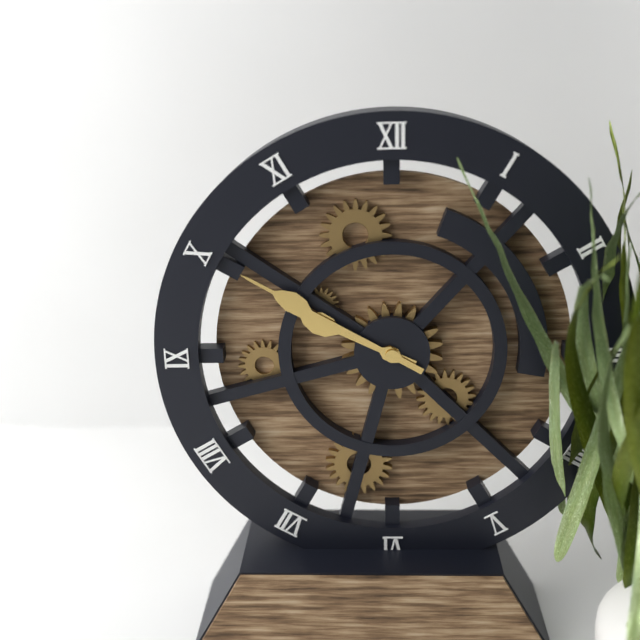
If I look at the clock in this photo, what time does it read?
9:50
